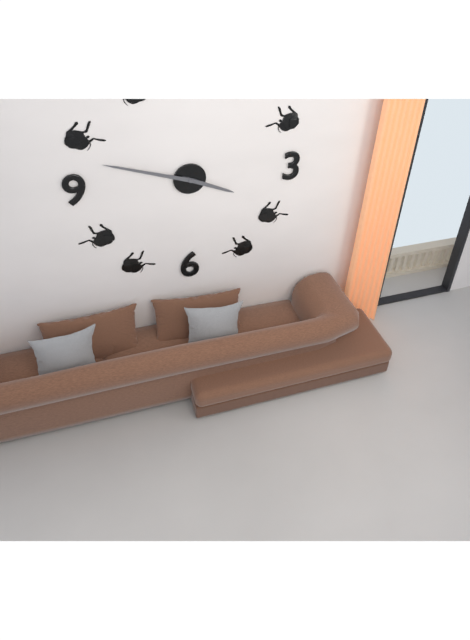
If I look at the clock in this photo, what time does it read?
3:48
